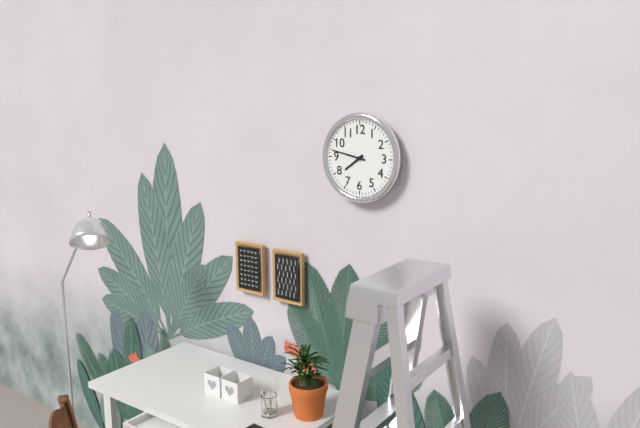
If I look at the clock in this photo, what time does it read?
7:47
